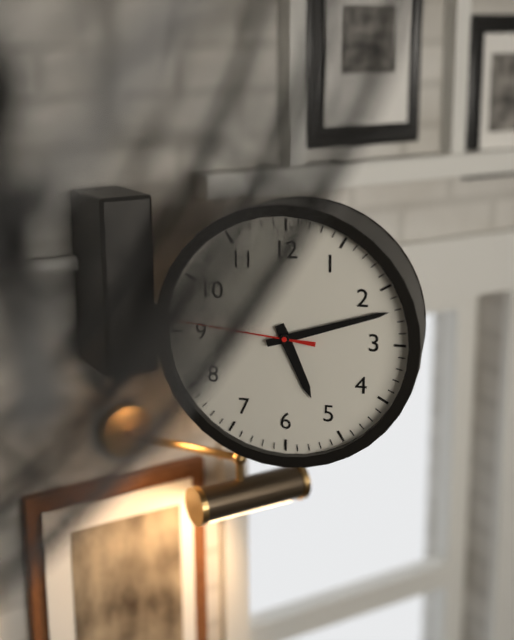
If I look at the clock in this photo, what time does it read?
5:12
